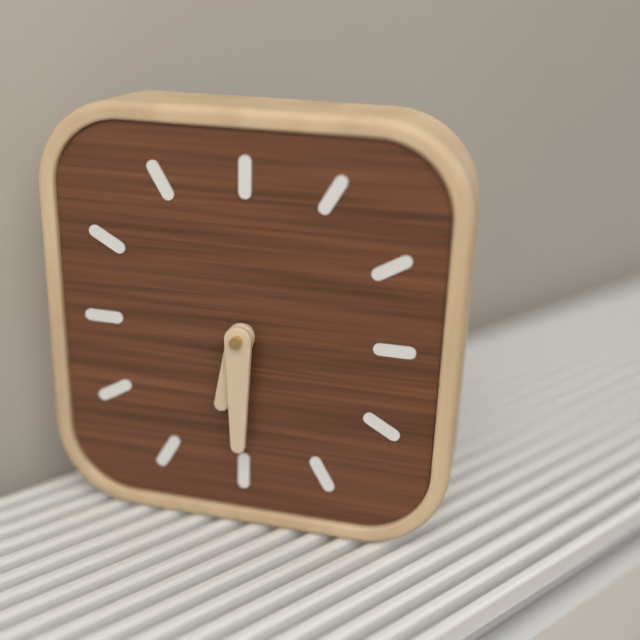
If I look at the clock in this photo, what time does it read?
6:30
